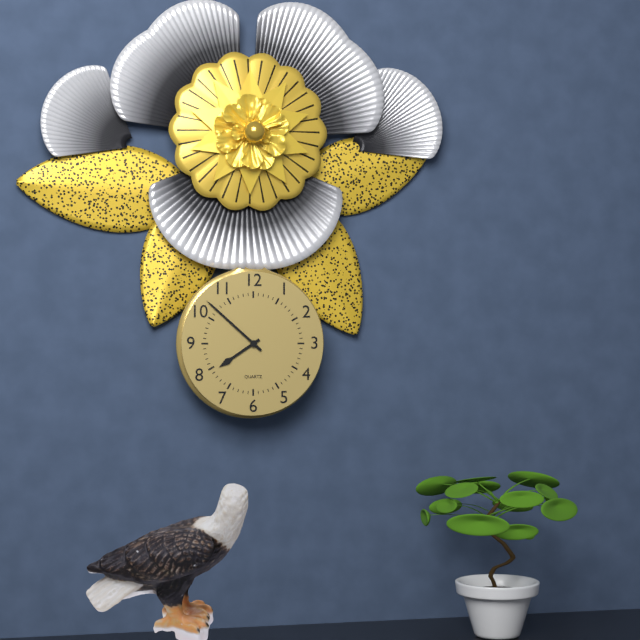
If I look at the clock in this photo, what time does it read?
7:52
